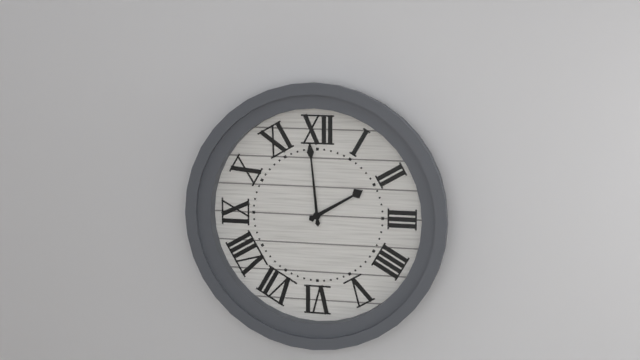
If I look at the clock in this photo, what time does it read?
1:59
